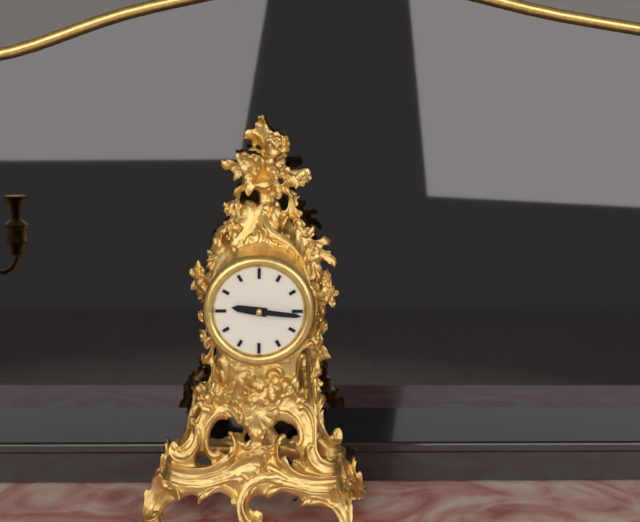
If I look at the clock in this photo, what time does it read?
9:16
